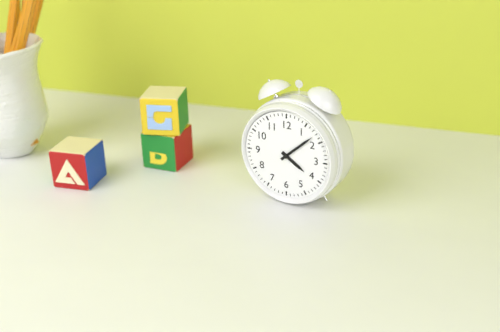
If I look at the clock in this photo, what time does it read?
4:08
